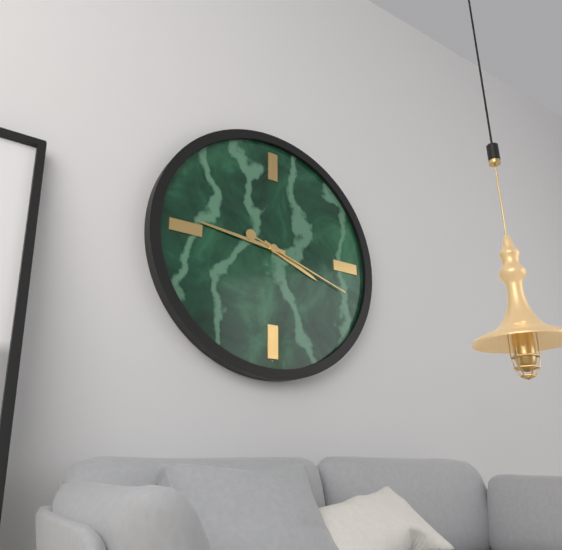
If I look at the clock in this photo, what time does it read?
3:46:18
